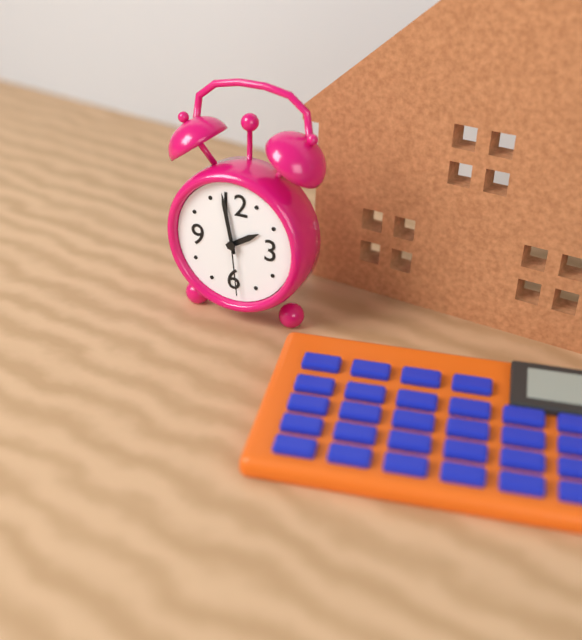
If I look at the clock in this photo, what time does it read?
1:58:29
